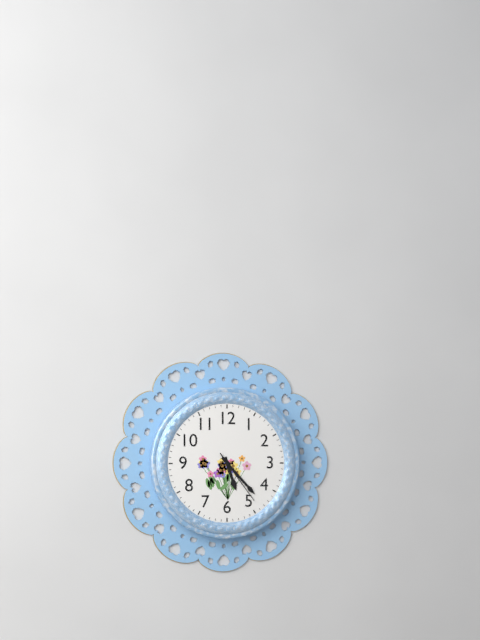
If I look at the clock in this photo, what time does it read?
5:23:24
